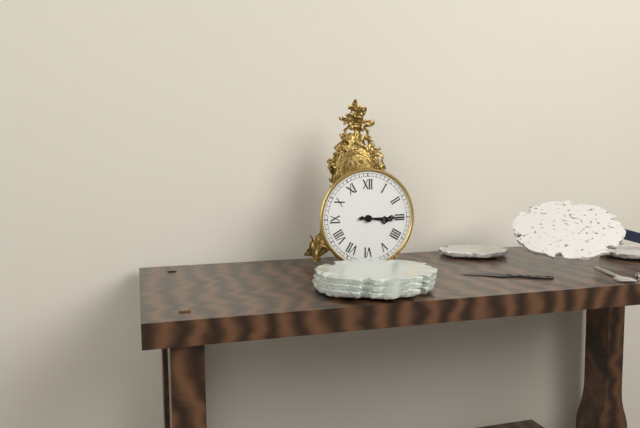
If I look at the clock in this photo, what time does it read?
3:15
